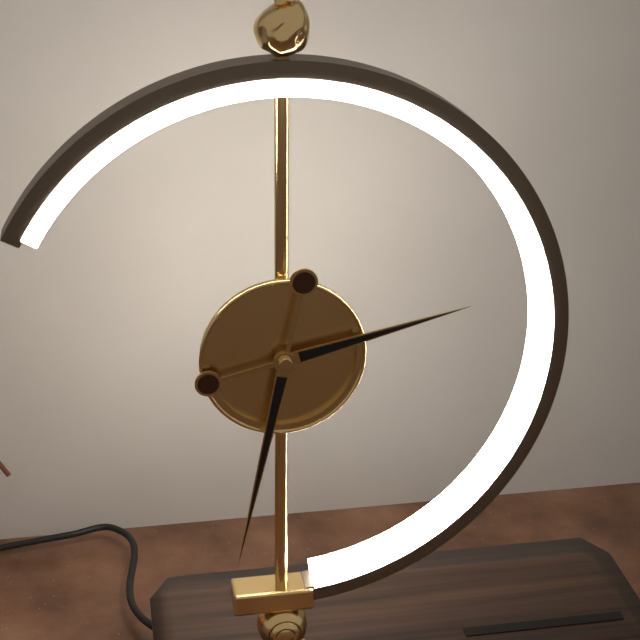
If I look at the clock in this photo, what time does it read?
2:32
